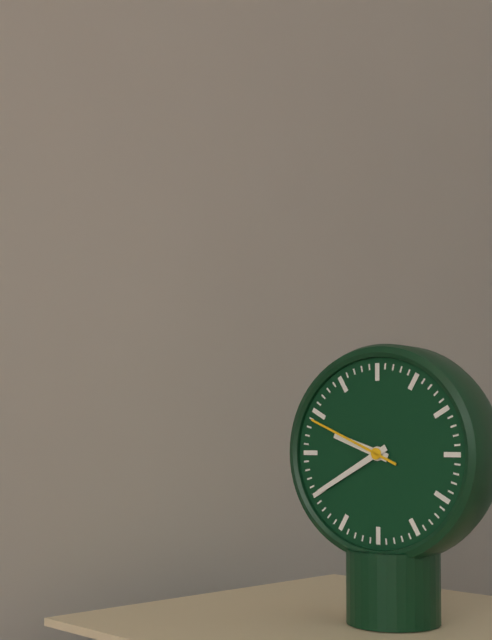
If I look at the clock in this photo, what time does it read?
9:40:49
